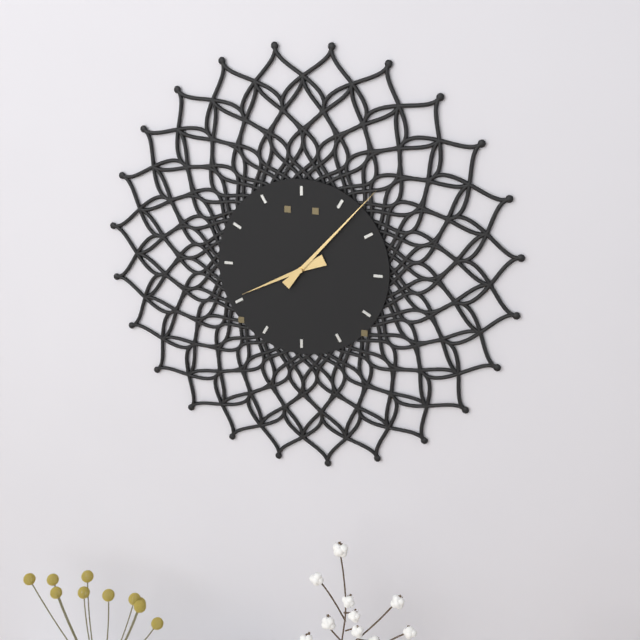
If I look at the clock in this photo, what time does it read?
8:07
